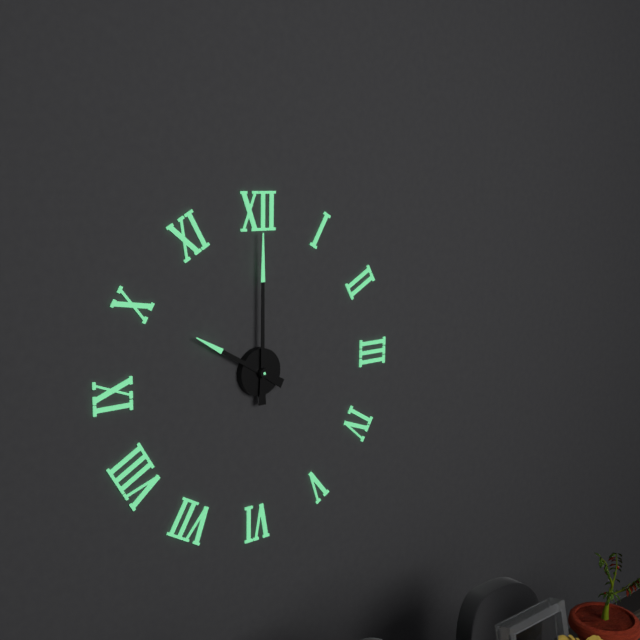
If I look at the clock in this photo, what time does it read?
10:00
